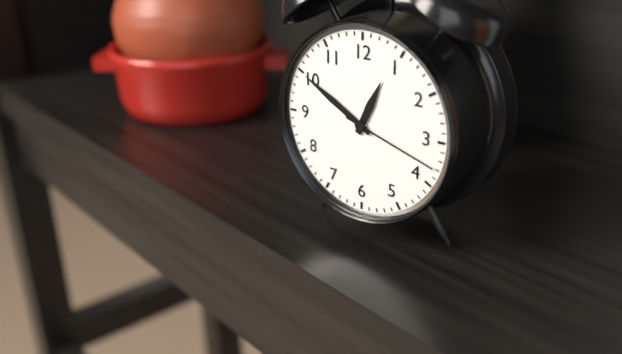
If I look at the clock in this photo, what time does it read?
12:50:18
